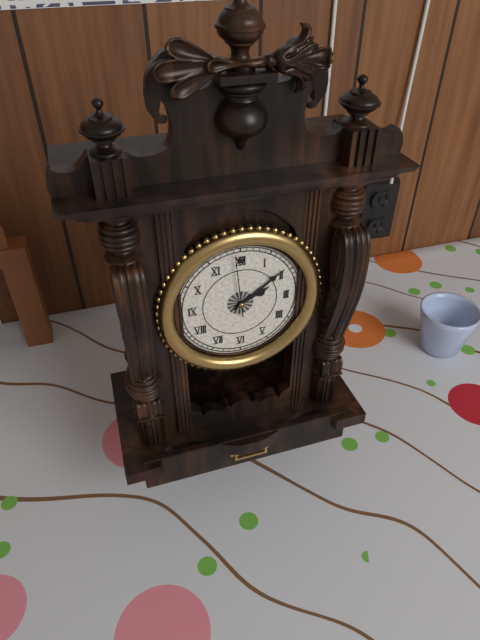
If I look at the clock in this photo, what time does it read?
2:09:59
